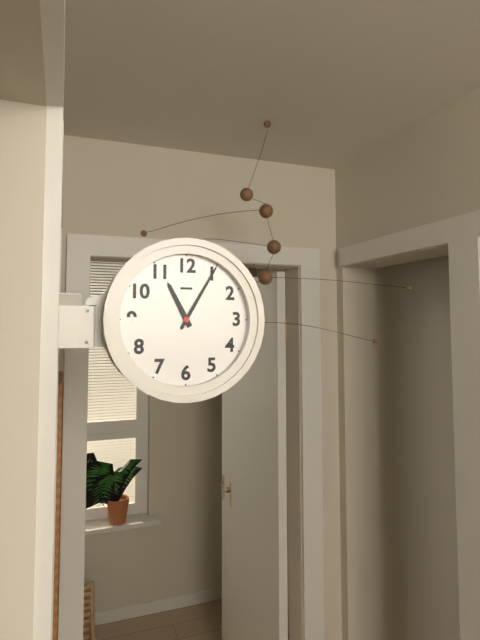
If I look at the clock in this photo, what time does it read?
11:05
